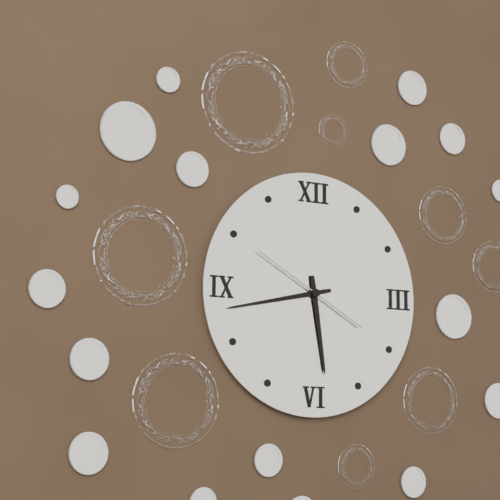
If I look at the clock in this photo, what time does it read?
5:43:50
